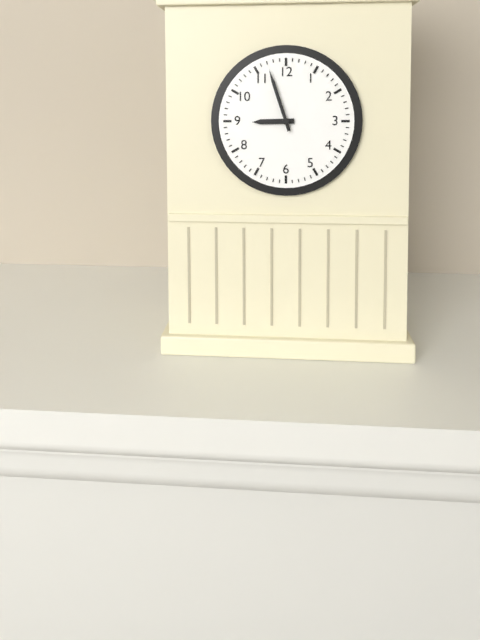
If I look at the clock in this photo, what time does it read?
8:57
